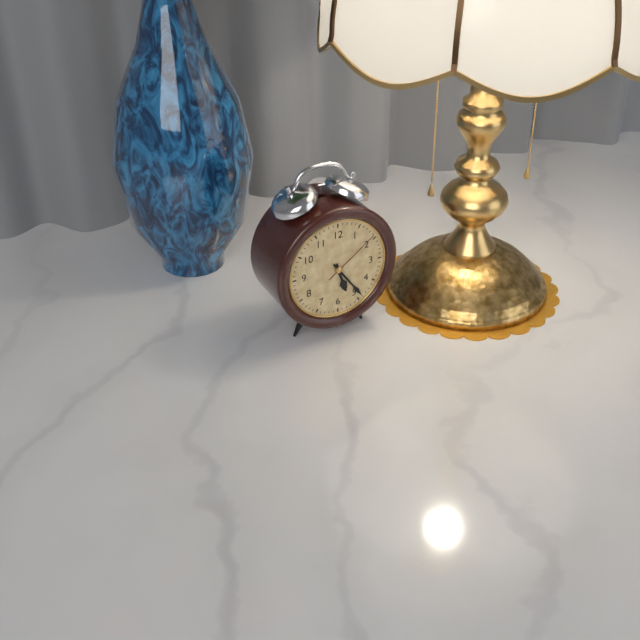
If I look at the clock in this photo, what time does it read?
5:24:09
